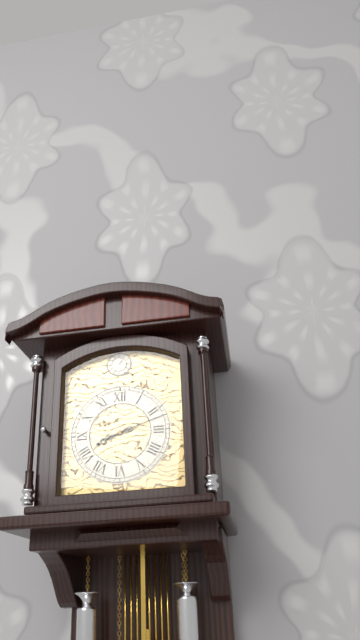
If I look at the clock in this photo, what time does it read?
8:12
